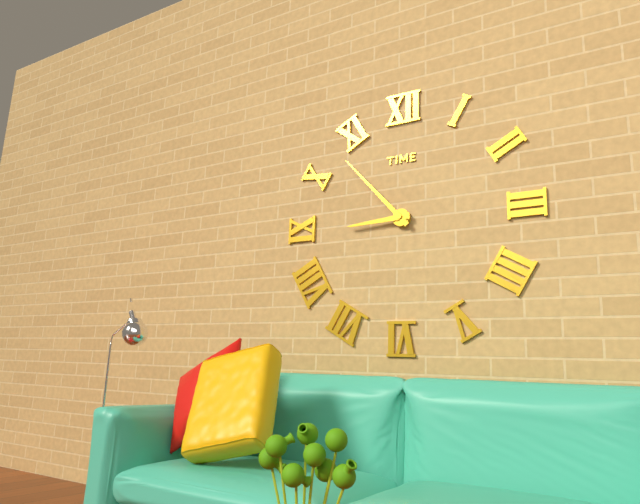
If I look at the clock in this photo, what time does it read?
8:53
